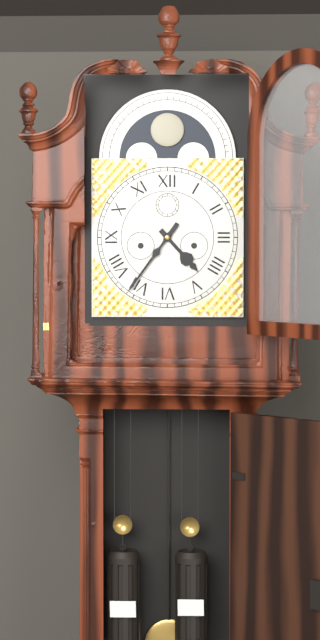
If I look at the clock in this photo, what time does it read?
4:36
